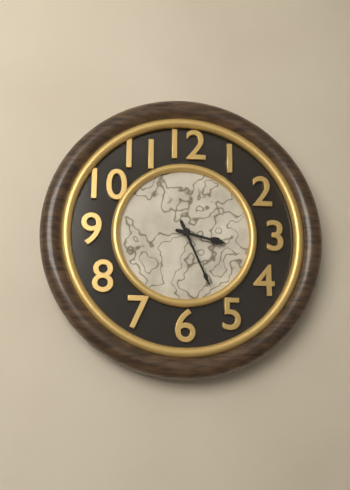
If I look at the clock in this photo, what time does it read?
3:26
